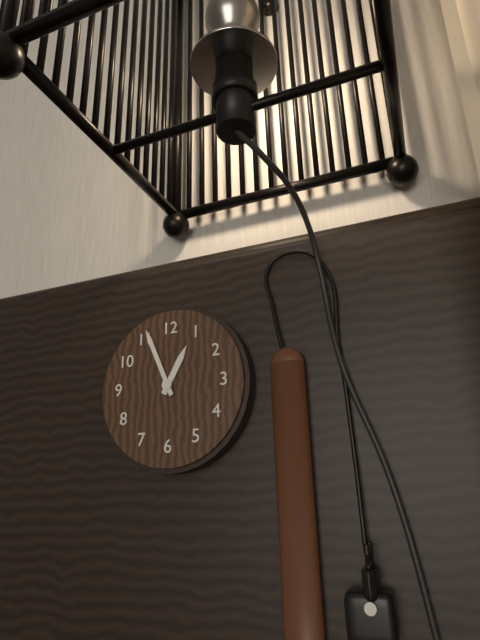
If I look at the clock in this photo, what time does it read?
12:56
